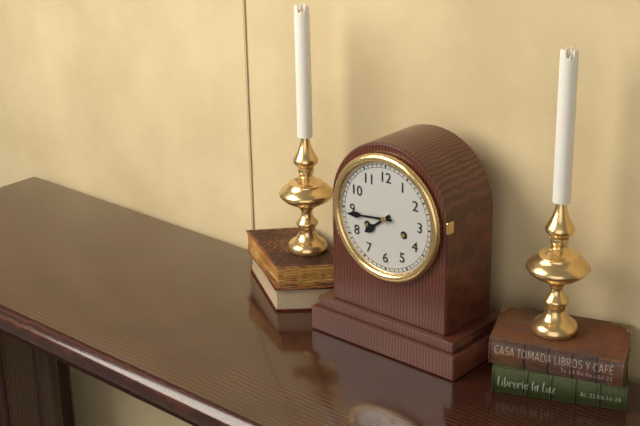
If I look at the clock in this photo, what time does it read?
7:44
